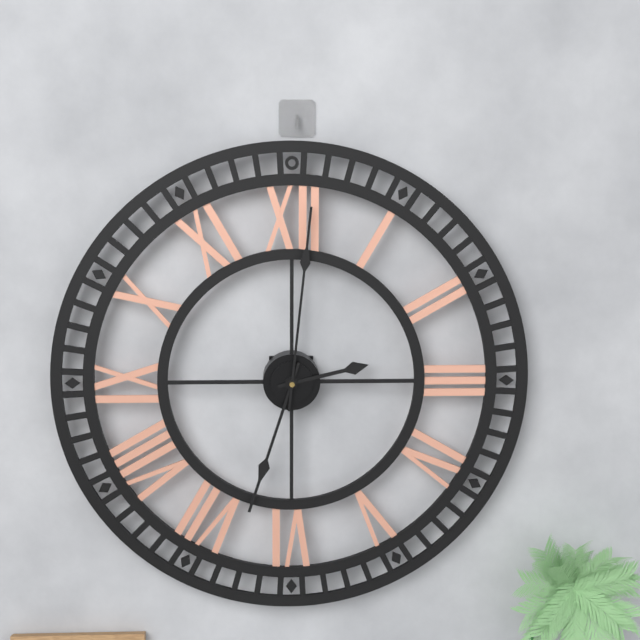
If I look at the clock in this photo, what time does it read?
2:33:01
